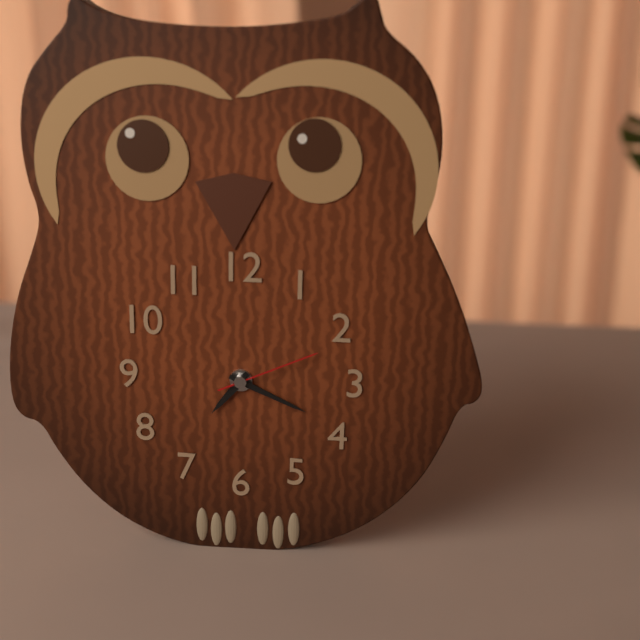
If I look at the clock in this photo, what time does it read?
7:19:11
